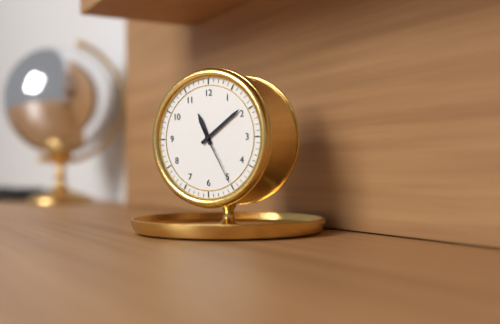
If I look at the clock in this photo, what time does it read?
11:09:25
